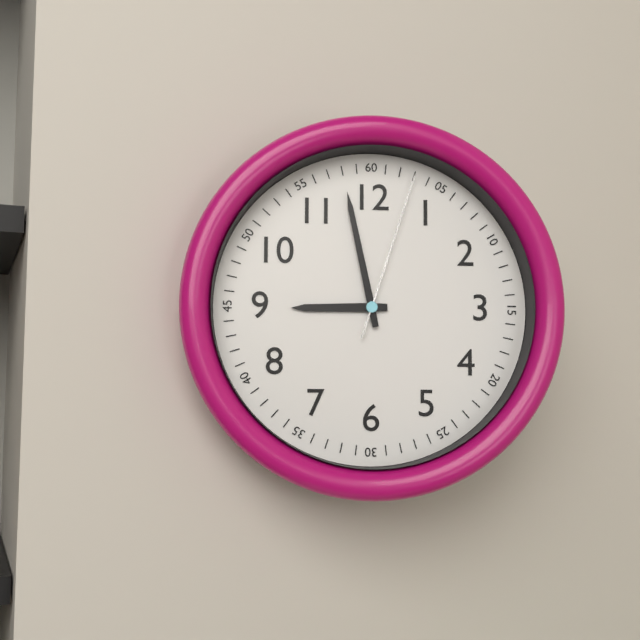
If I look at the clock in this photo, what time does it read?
8:58:03
